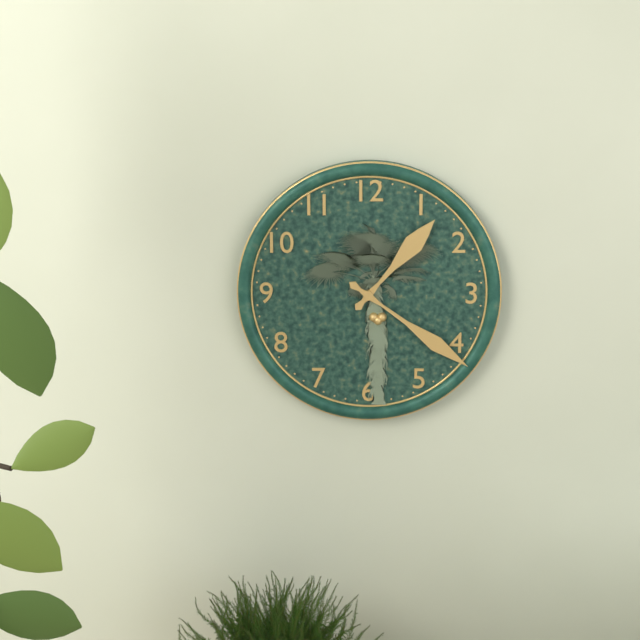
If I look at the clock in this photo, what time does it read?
1:21
